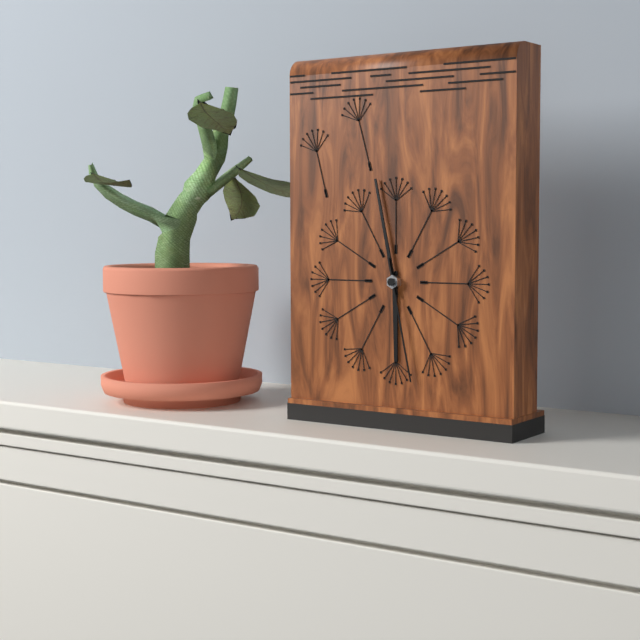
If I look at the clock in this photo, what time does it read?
5:58:28
